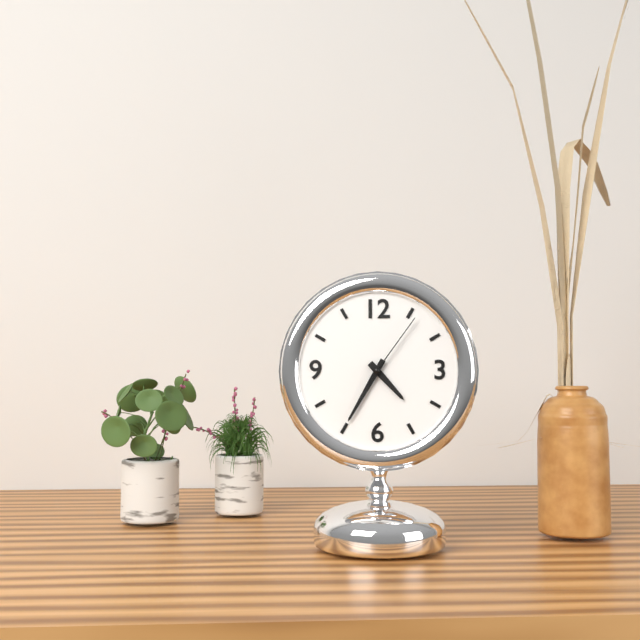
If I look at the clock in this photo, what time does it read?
4:35:06
